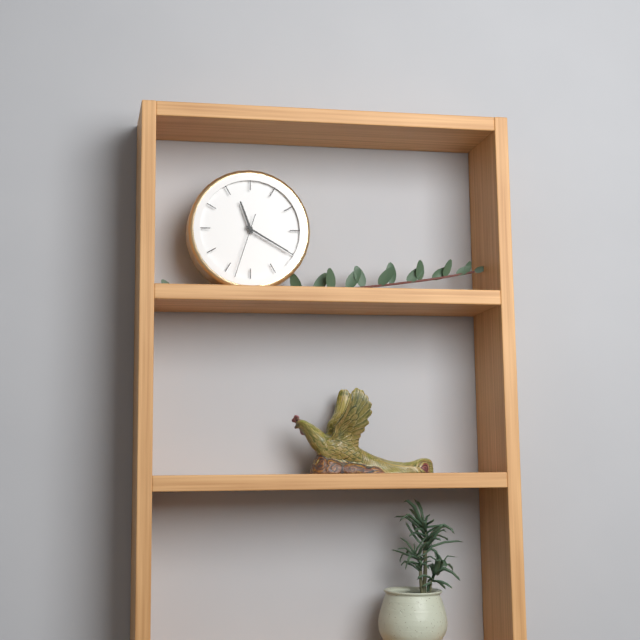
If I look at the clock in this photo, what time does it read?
11:20:33
